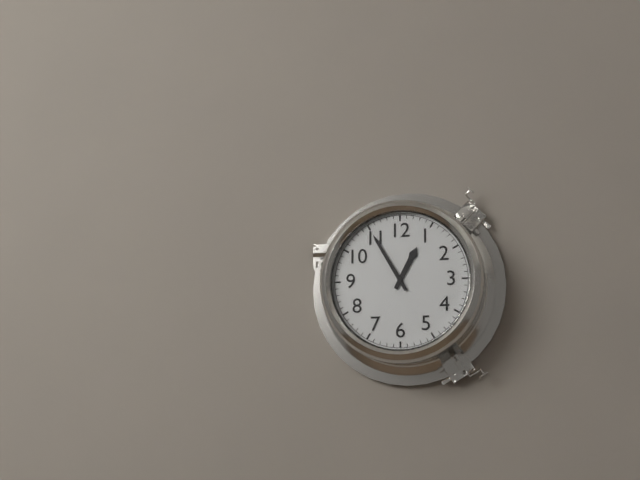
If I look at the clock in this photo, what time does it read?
12:55
